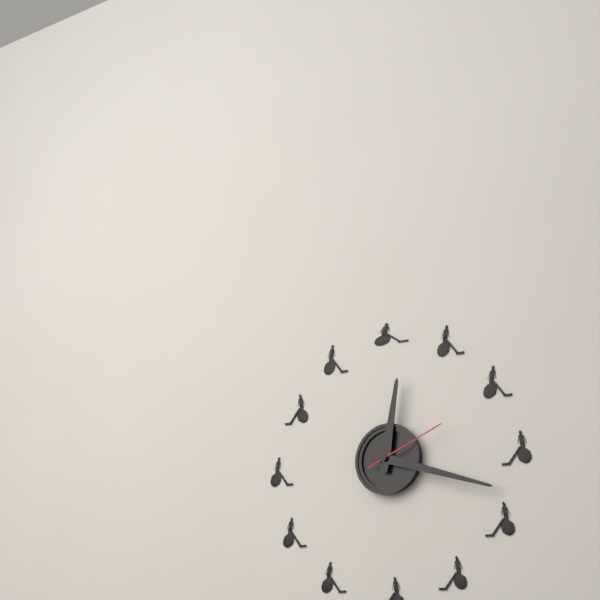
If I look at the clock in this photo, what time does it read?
12:18:11
